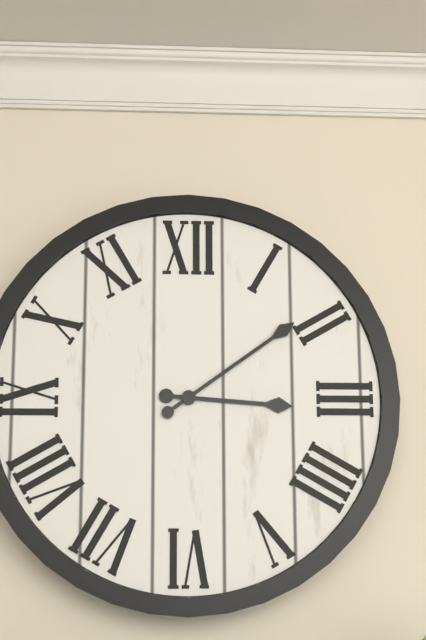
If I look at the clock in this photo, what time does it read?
3:09
